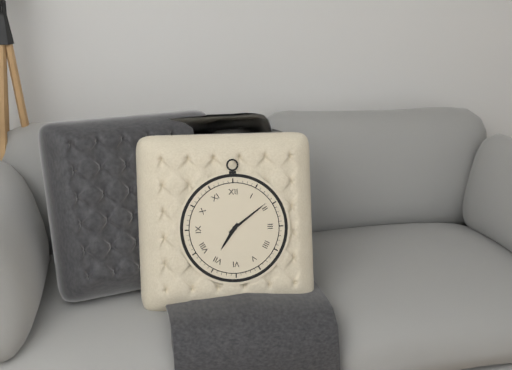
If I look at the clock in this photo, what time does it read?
7:09
